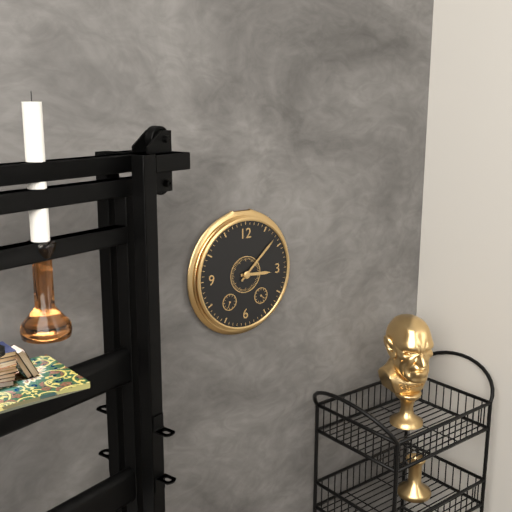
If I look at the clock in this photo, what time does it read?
3:08
